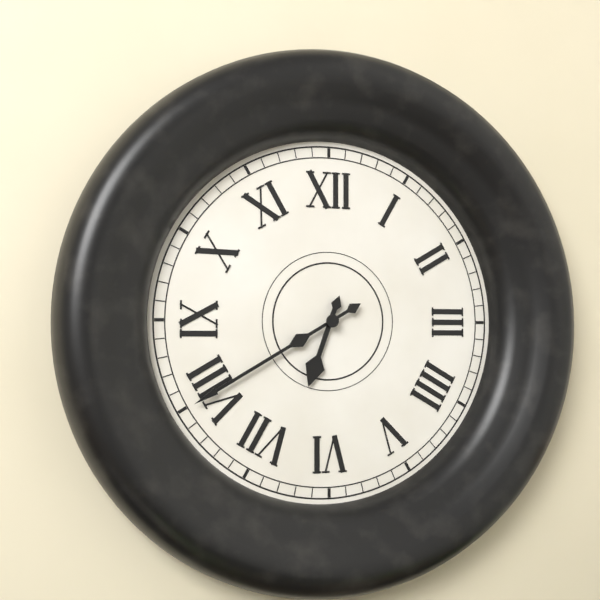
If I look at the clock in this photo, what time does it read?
6:40
